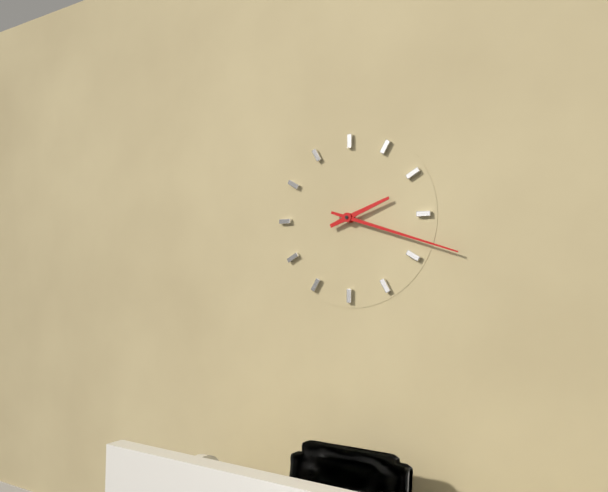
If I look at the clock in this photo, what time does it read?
2:18
